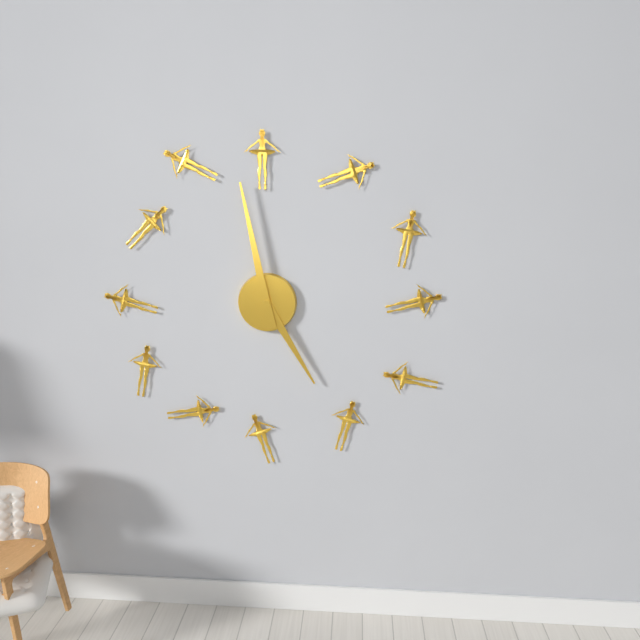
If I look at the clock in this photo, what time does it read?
4:58
